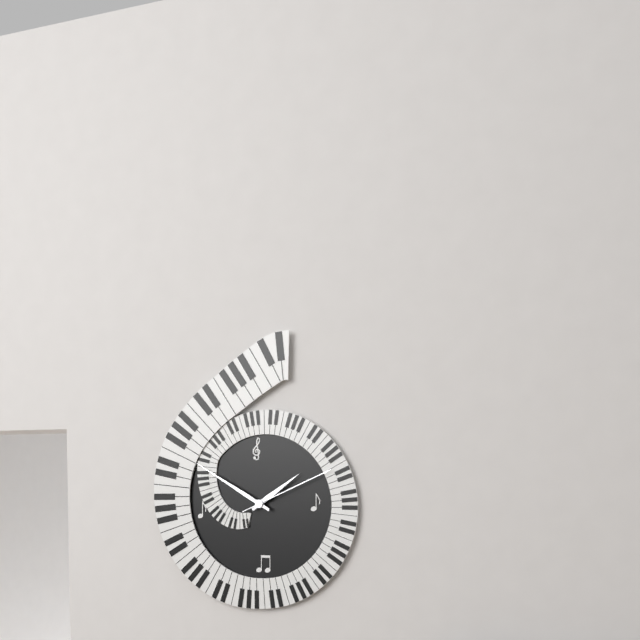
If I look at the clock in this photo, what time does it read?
1:50:11
